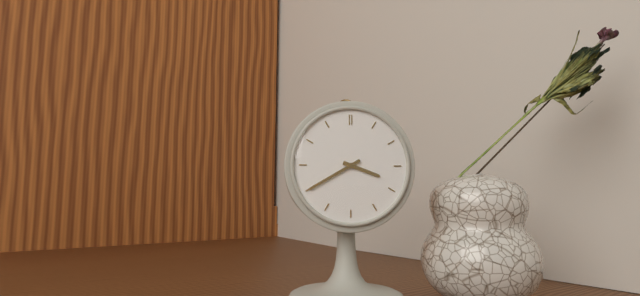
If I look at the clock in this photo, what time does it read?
3:40
